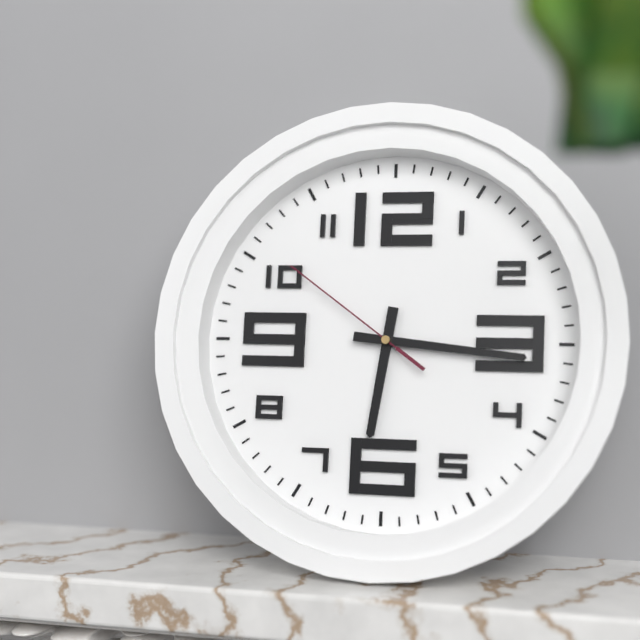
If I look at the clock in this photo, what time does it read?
6:16:51
